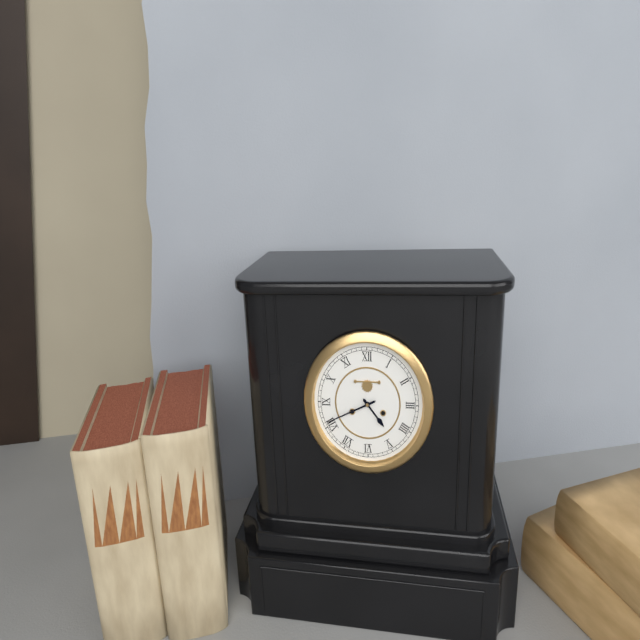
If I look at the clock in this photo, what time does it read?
4:41
